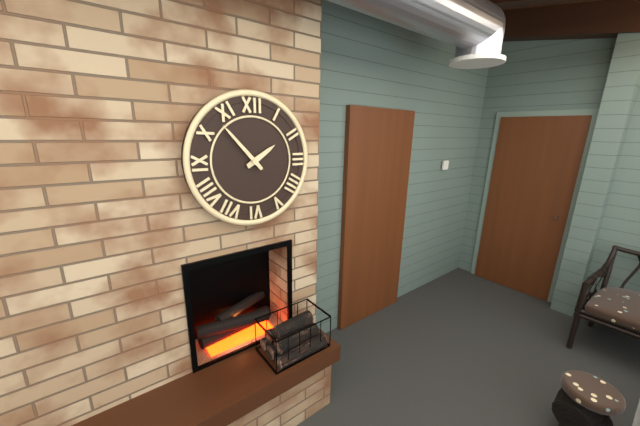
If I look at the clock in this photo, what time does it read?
1:53
